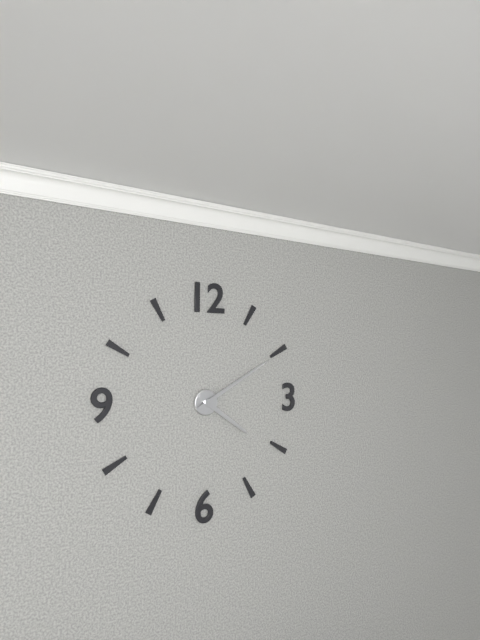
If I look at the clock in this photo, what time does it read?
4:10
